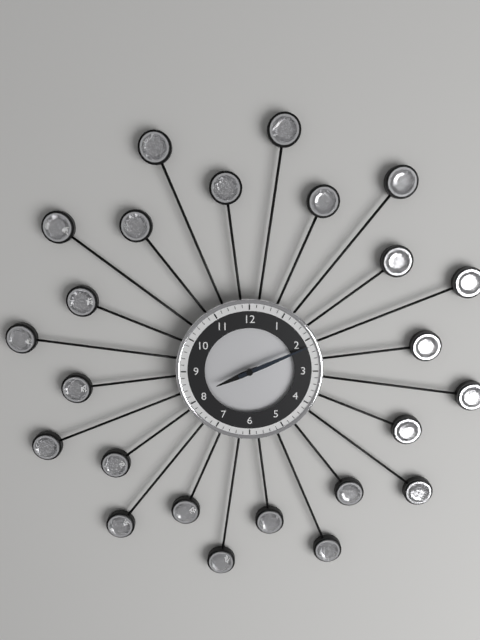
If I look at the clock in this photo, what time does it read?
8:11
